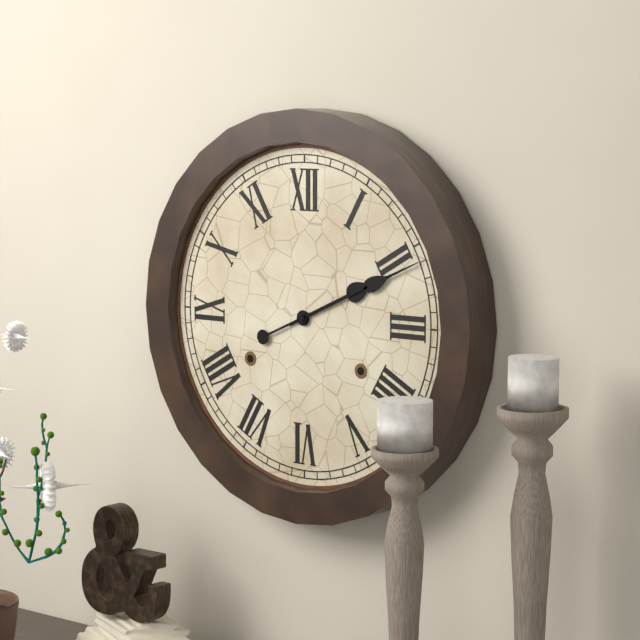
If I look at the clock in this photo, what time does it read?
2:11
